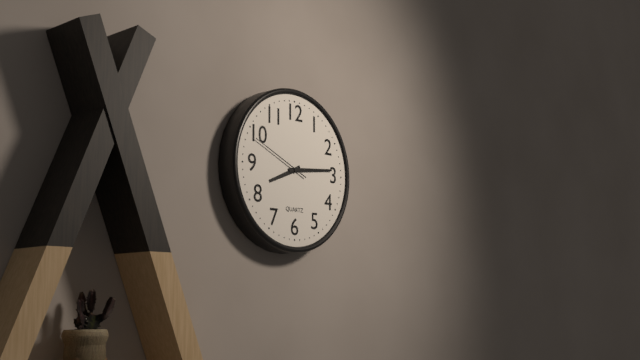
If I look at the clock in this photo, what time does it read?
8:14:49
